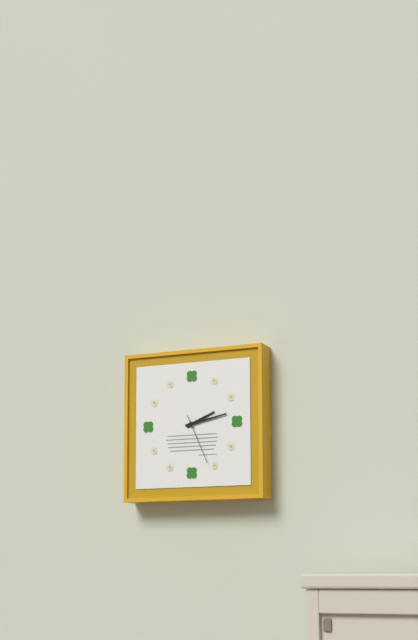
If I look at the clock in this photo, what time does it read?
2:13:26
